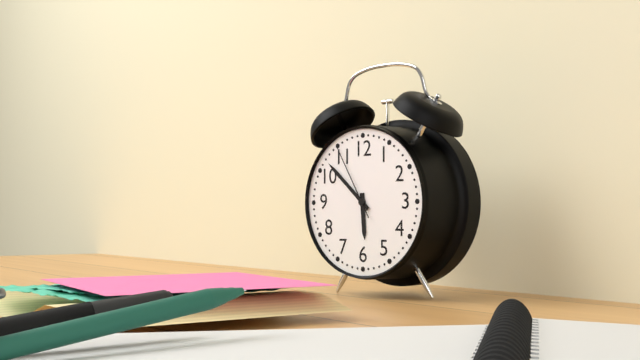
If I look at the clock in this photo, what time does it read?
5:52:55
